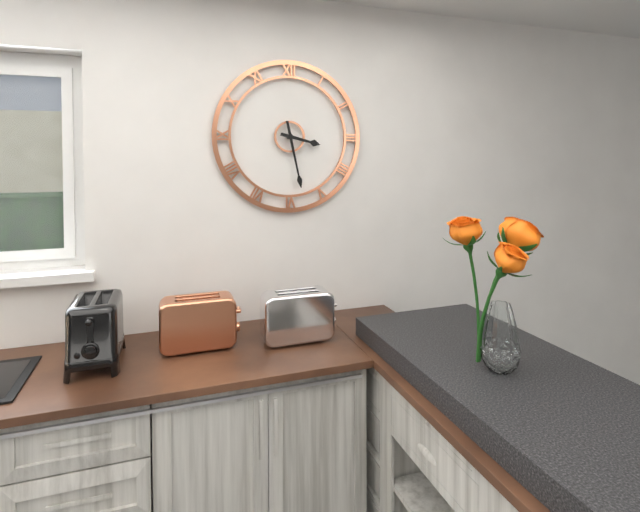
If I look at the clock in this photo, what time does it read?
3:28
